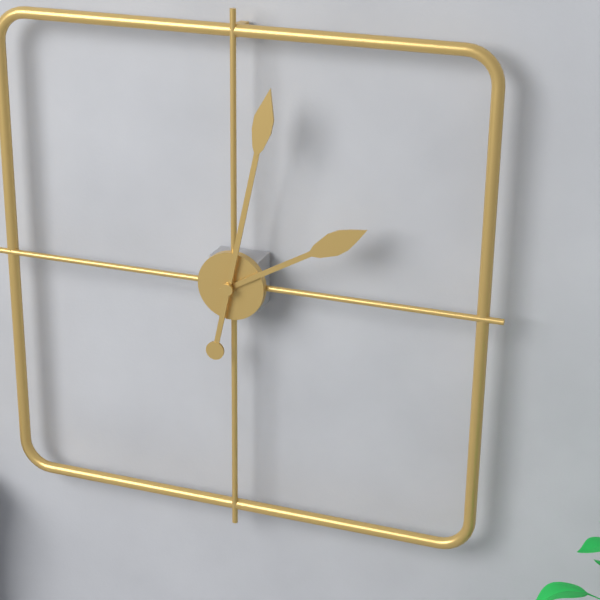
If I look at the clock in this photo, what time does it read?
2:02
